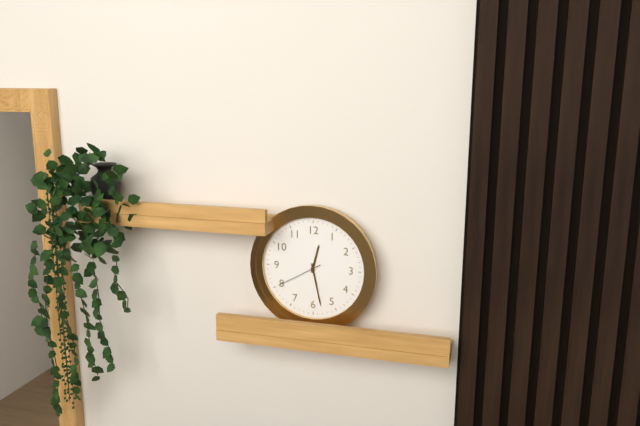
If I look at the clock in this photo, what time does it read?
12:28
